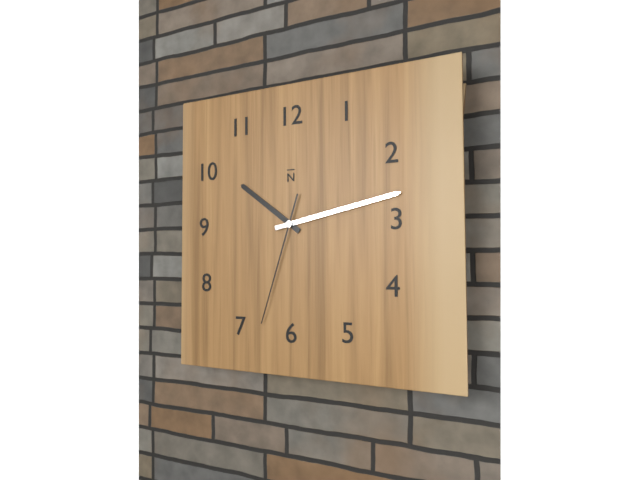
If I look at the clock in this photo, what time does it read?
10:13:33
